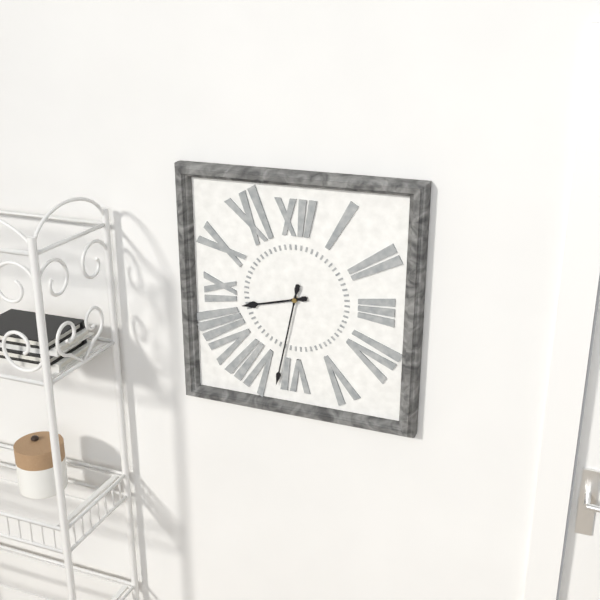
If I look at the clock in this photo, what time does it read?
8:32
